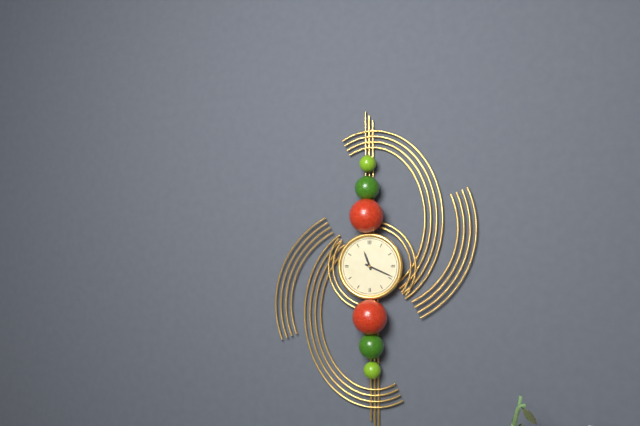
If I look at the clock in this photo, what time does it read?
11:19
